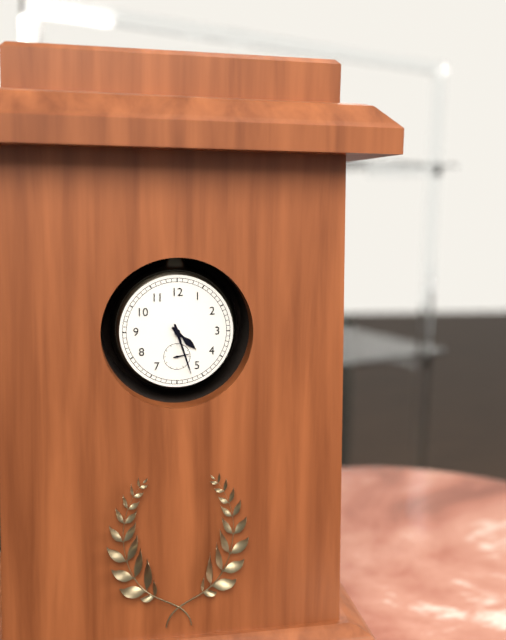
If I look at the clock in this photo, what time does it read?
4:27
